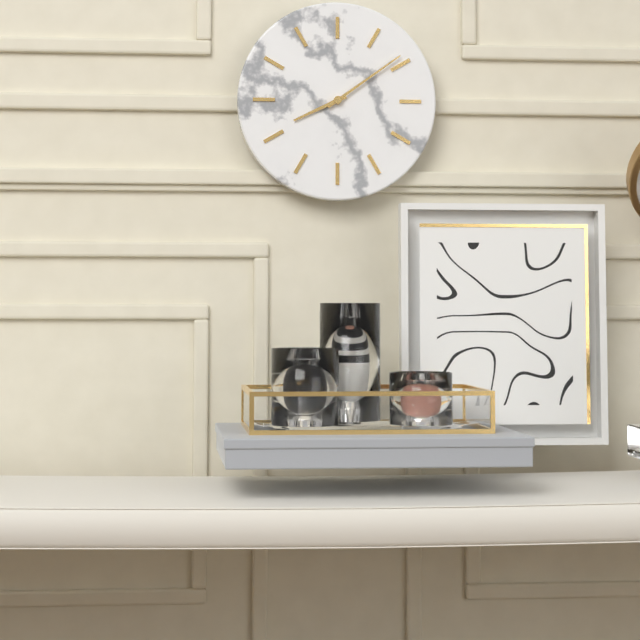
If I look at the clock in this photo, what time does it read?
8:09
